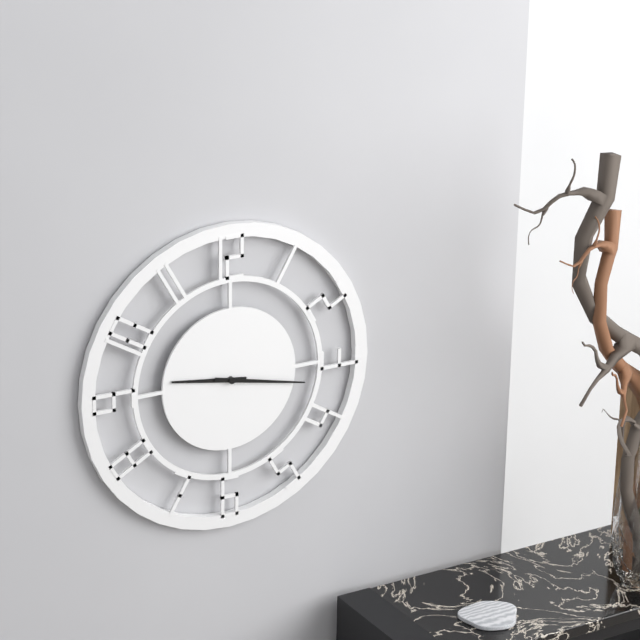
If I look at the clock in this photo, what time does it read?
9:17
